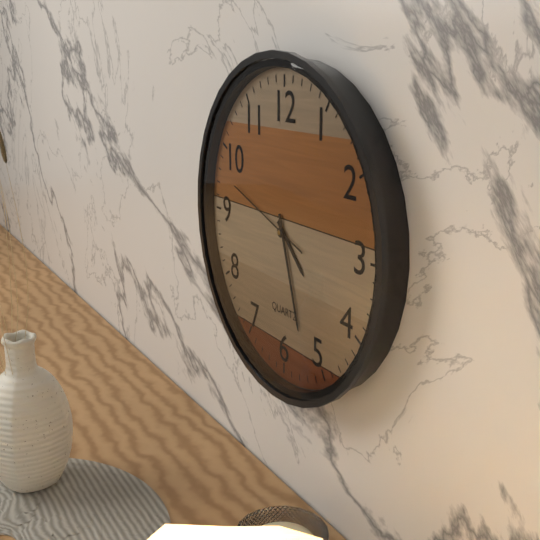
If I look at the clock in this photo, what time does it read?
4:27:48
